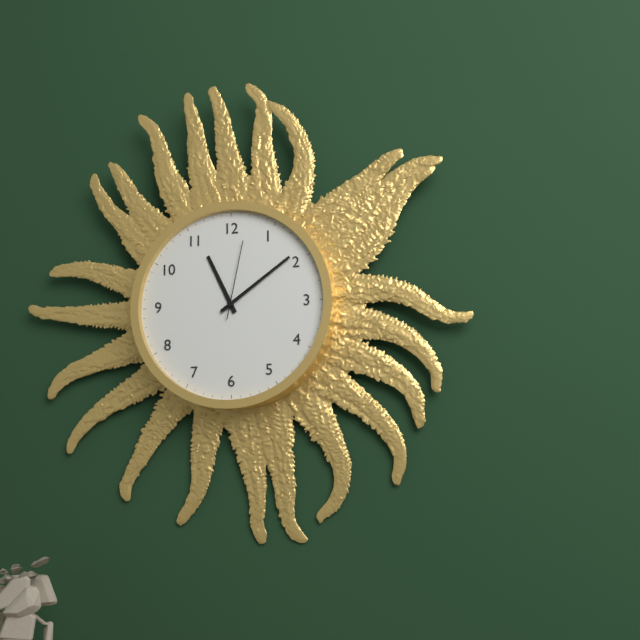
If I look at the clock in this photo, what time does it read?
11:09:02
